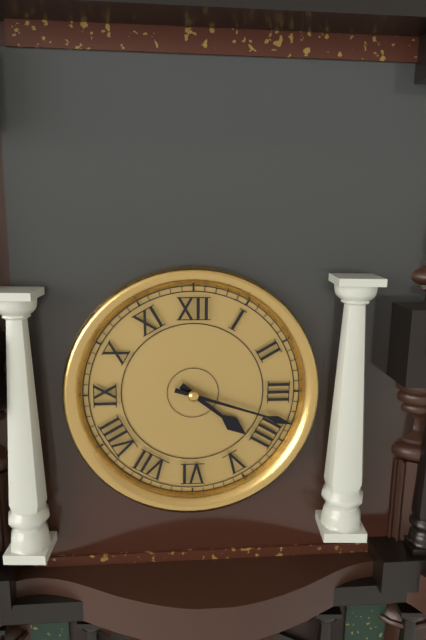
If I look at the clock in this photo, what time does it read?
4:18
